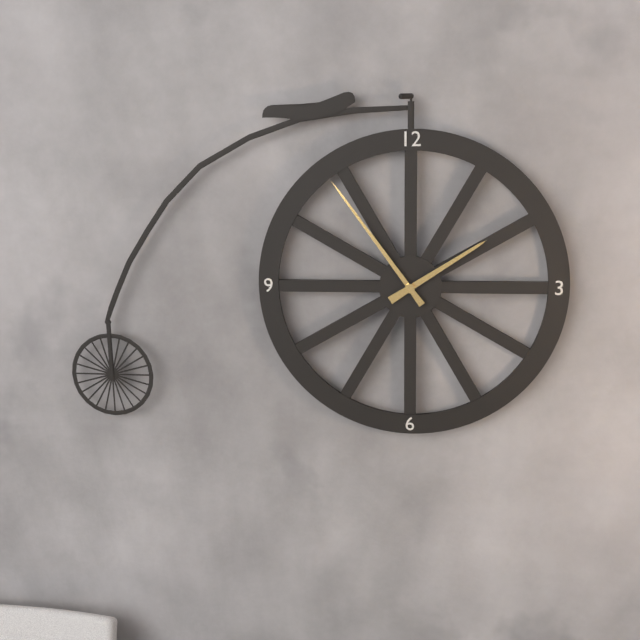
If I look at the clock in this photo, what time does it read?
1:54
